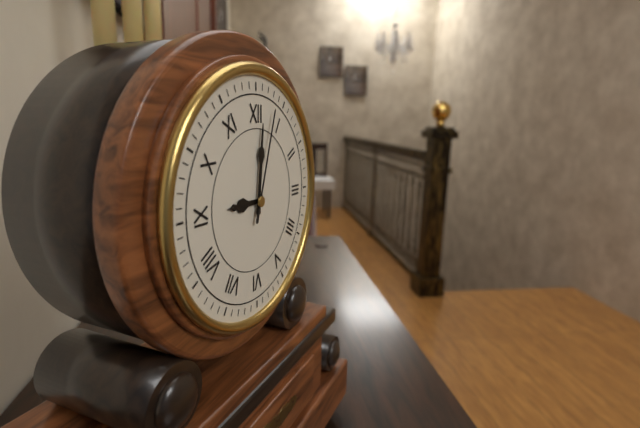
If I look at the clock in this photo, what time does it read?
9:01:03
